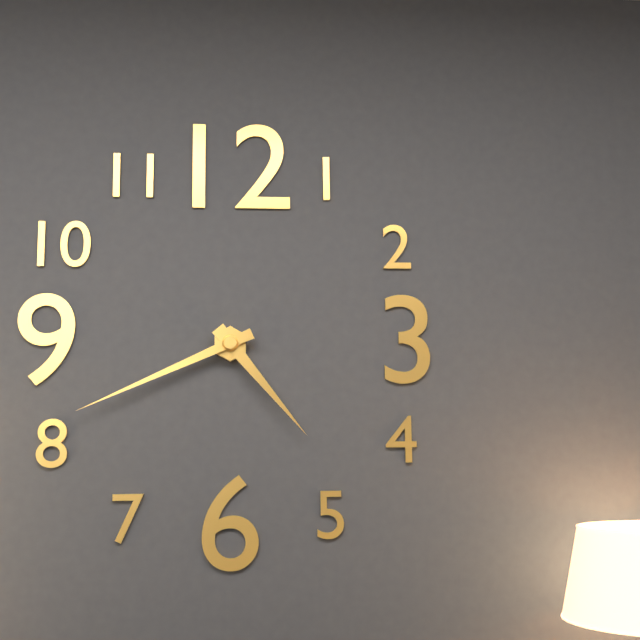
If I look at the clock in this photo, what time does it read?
4:41
